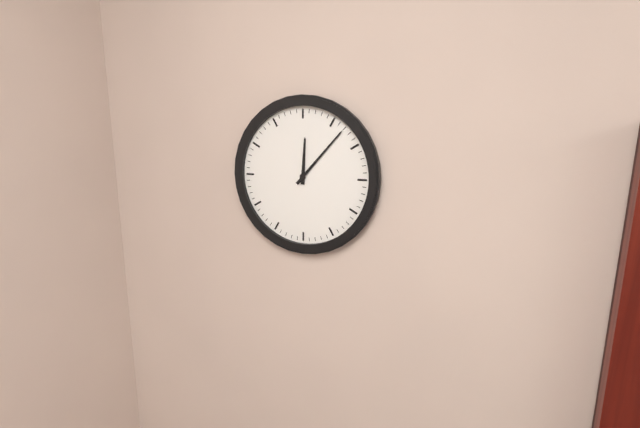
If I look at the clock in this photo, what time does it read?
12:07
